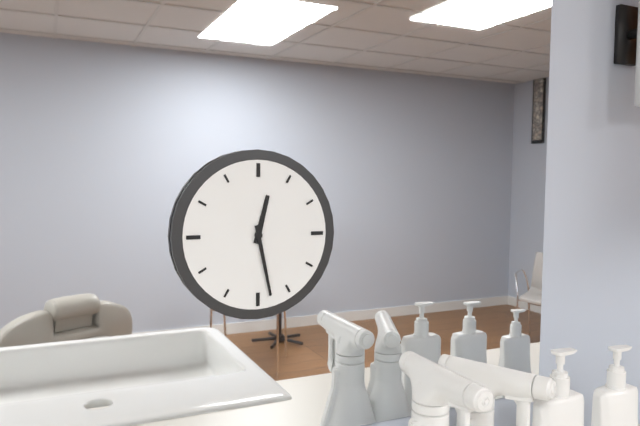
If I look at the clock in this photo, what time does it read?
12:28
